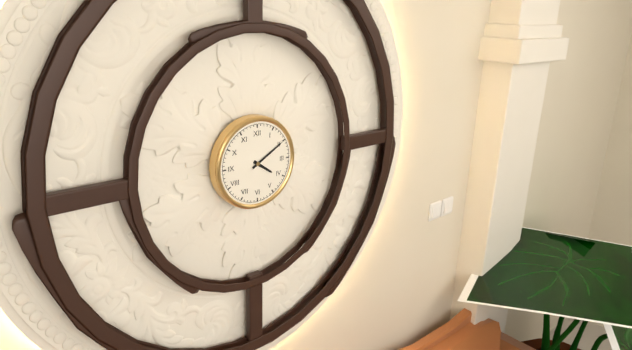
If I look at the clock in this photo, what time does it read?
4:10
